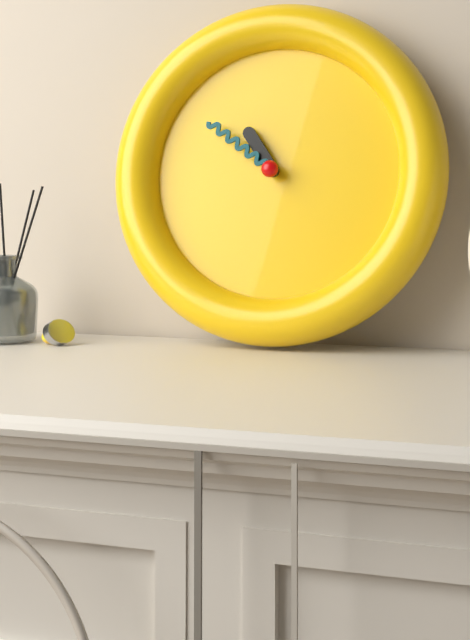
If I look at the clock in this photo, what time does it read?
10:51
